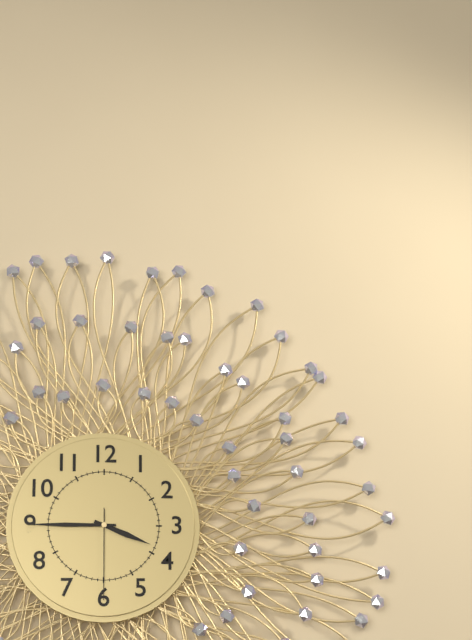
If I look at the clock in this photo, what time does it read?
3:45:30
